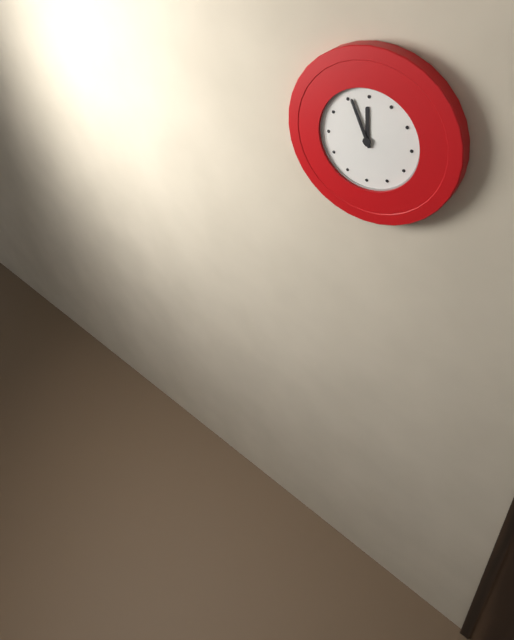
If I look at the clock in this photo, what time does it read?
11:56
